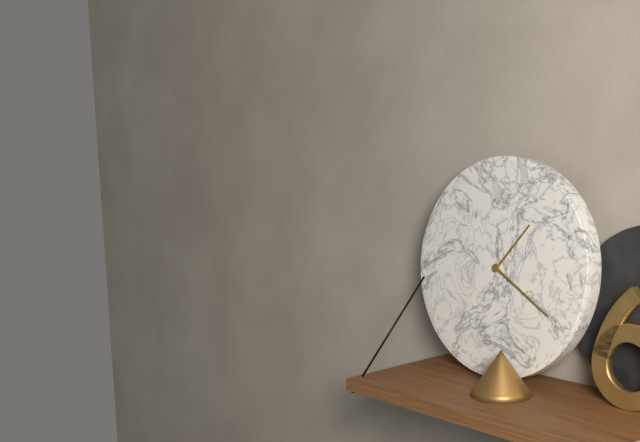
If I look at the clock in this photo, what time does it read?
1:20
